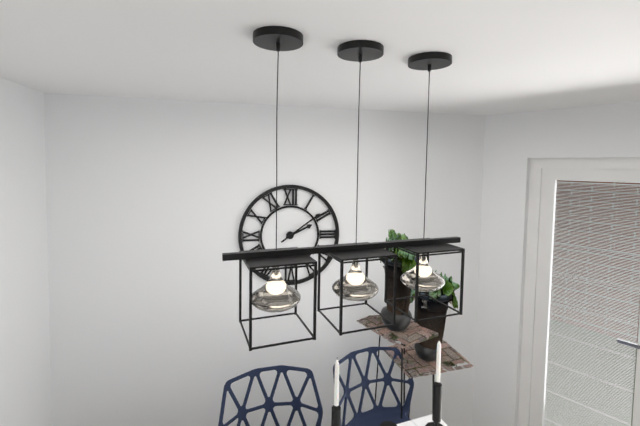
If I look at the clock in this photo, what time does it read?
2:09
